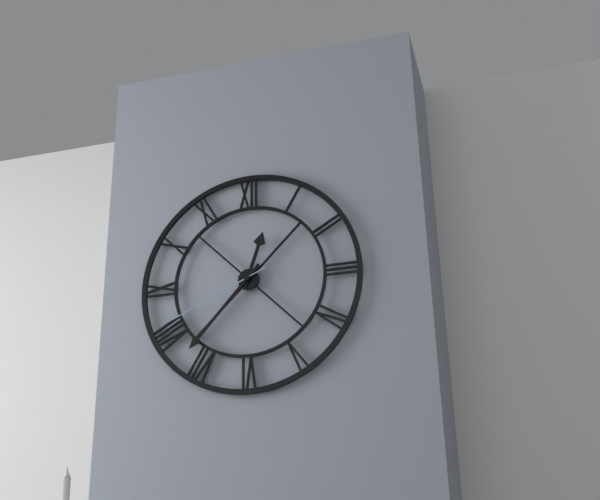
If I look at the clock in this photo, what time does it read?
12:37:41
